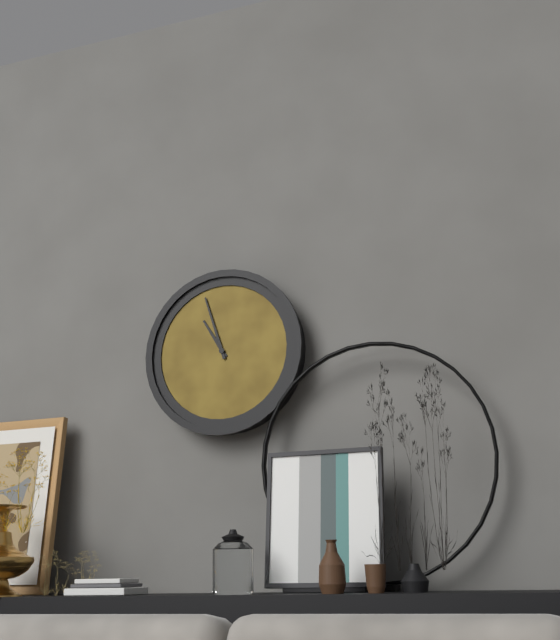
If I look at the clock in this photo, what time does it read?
10:57
